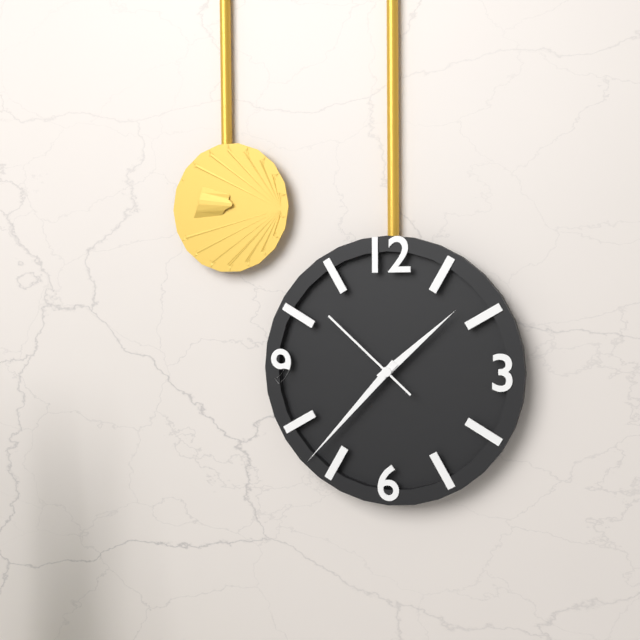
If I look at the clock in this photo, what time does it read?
1:37:52
